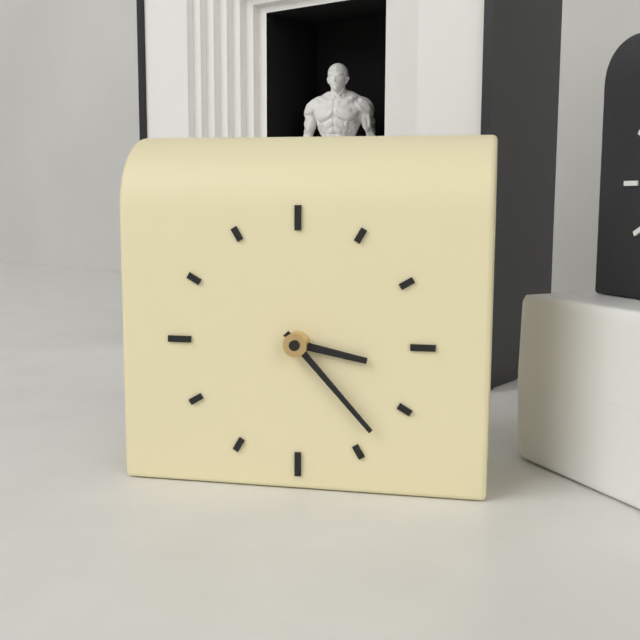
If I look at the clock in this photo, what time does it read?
3:23
